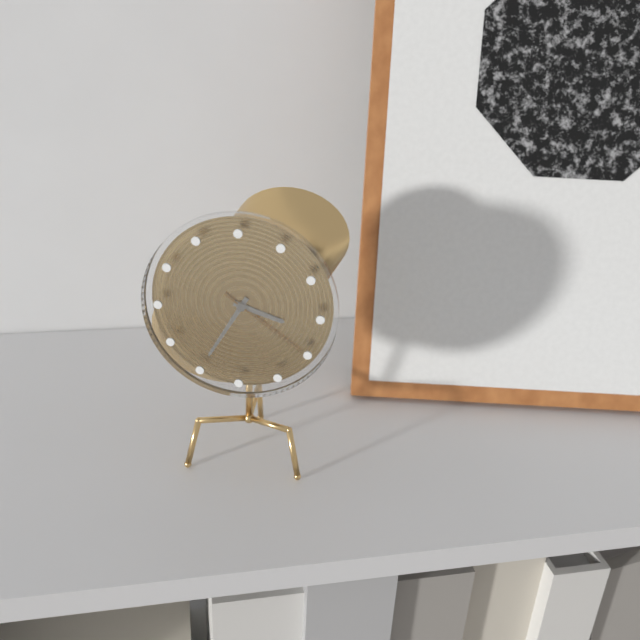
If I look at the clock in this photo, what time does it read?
3:35:21
